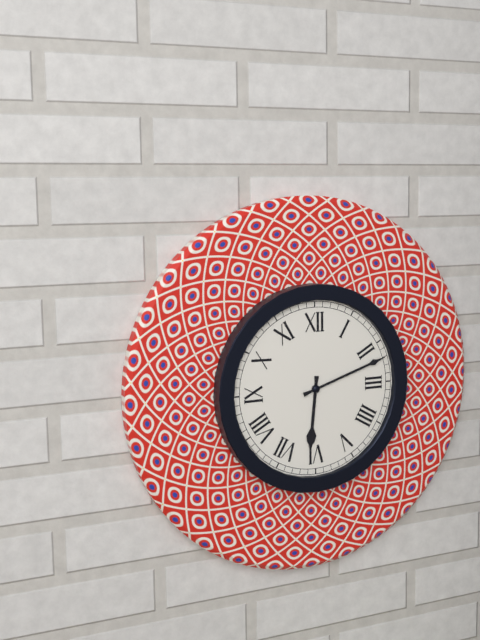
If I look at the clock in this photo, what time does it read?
6:12
